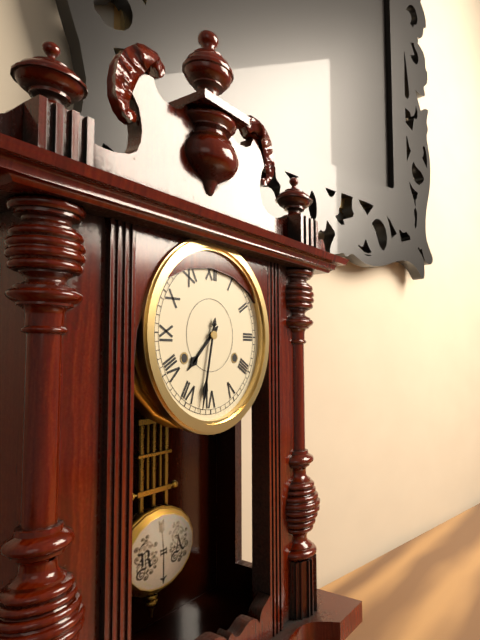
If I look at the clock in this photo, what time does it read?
7:32
